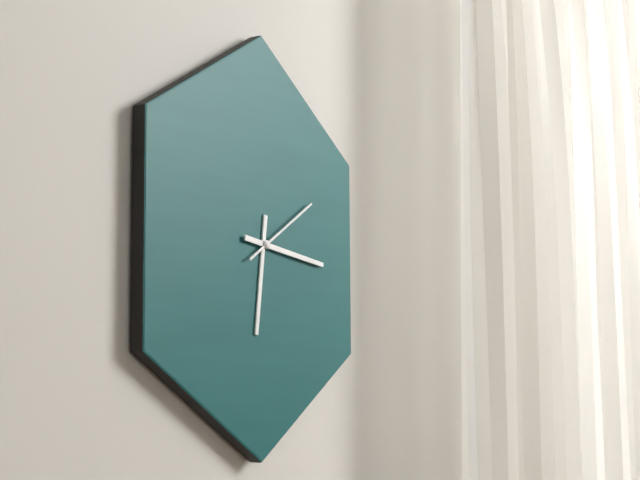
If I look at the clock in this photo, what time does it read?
6:16:10
